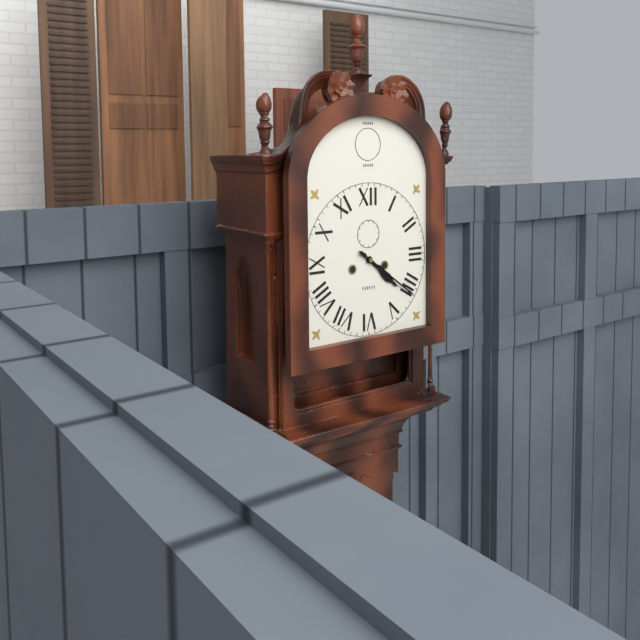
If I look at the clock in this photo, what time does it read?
4:21
